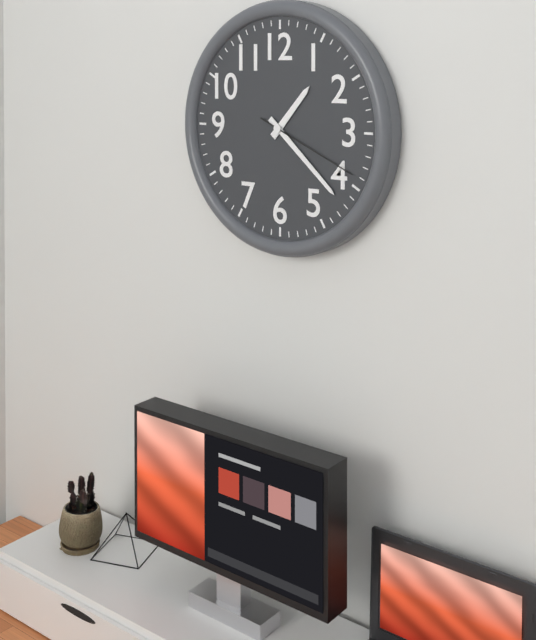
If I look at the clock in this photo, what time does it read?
1:22:19
